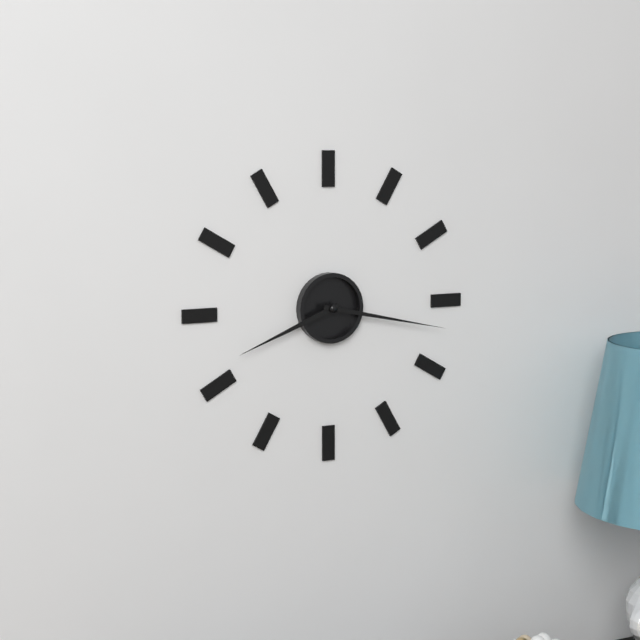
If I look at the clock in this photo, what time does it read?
8:17
